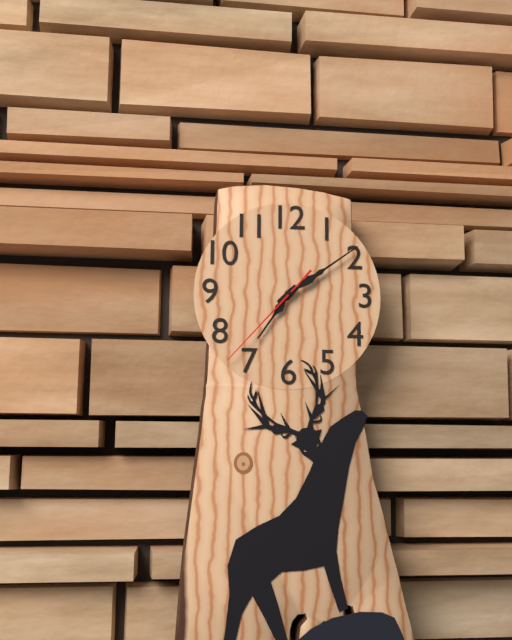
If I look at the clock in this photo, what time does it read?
7:09:37
